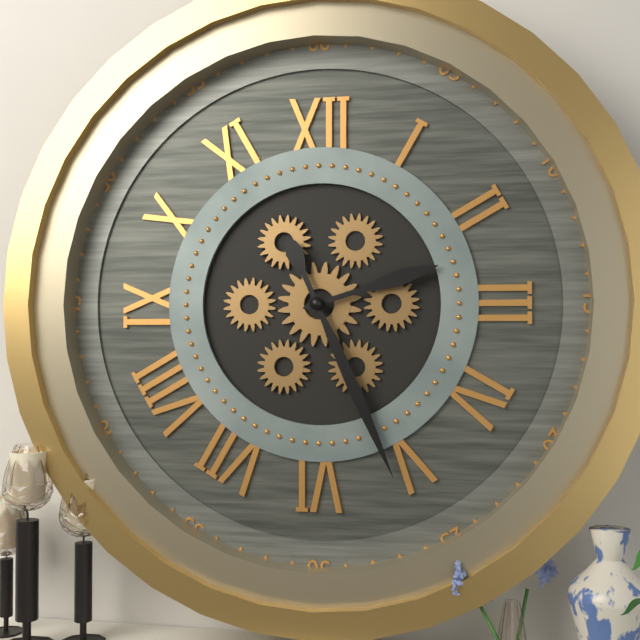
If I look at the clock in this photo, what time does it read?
2:26
